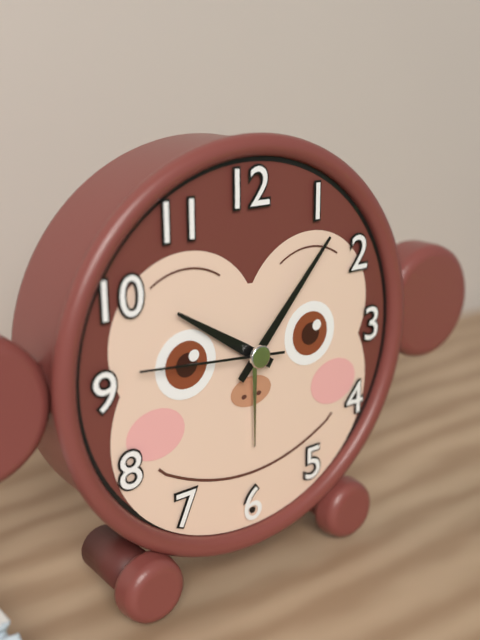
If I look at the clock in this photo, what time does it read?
10:07:46
